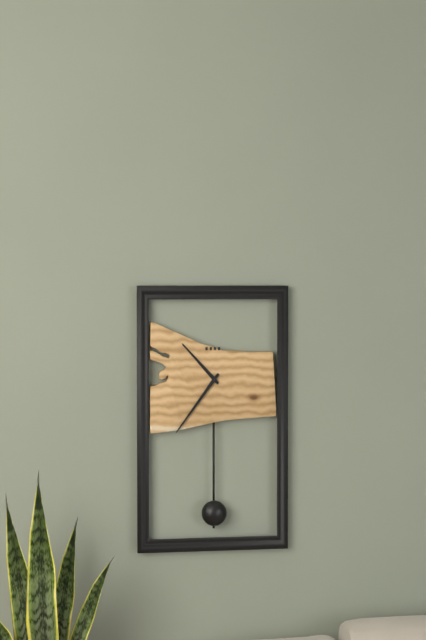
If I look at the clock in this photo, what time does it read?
10:36
